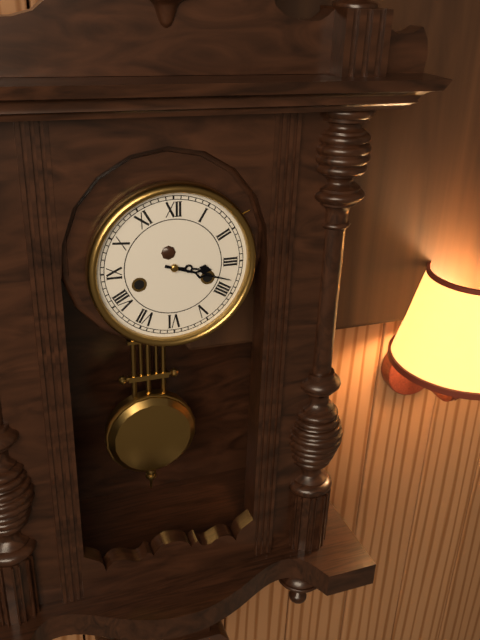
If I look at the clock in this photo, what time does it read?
3:18
